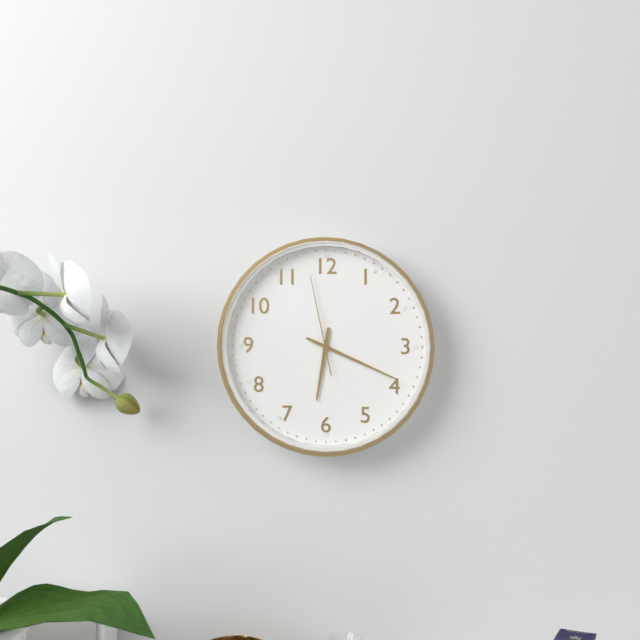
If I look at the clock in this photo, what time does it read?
6:19:58
